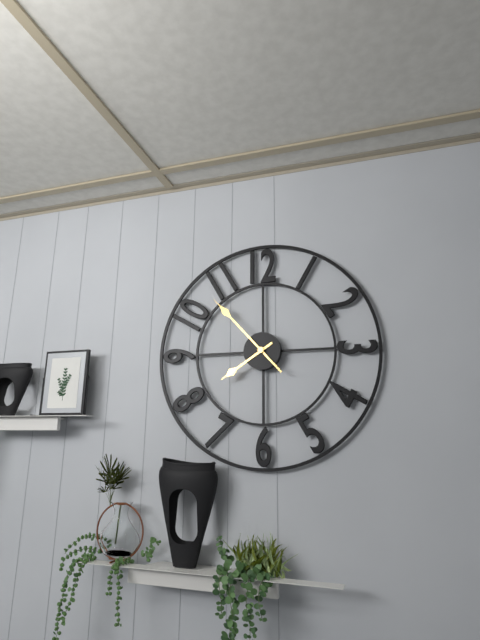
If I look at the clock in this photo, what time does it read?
7:53
